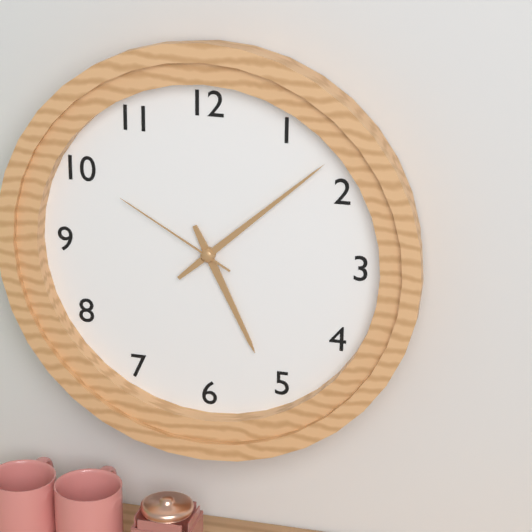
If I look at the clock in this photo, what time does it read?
5:08:50
